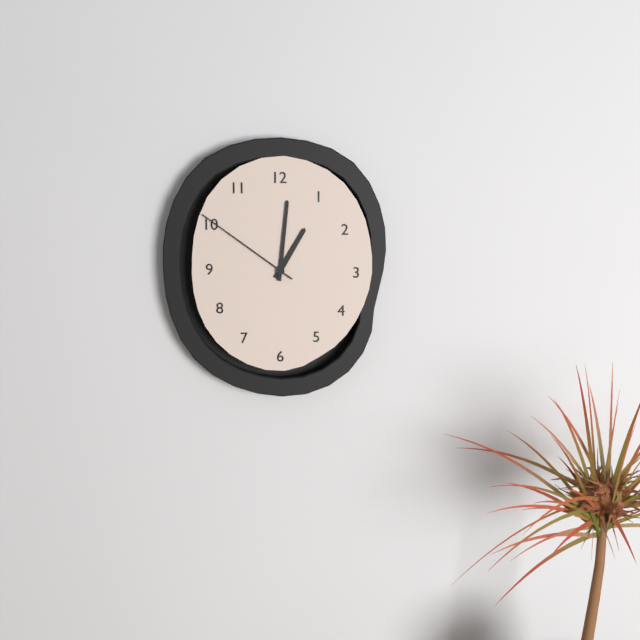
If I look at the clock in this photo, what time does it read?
1:01:51
